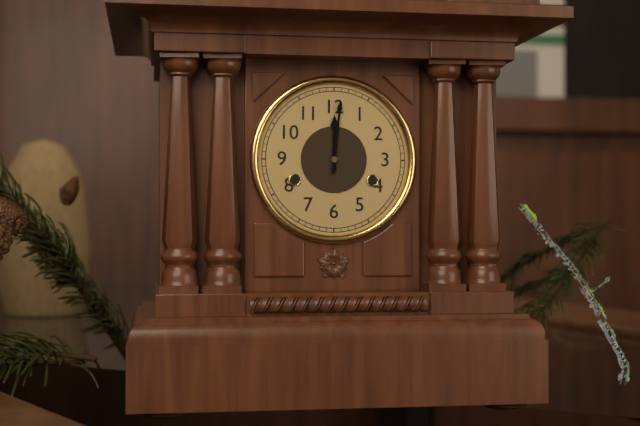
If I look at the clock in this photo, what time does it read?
12:01
